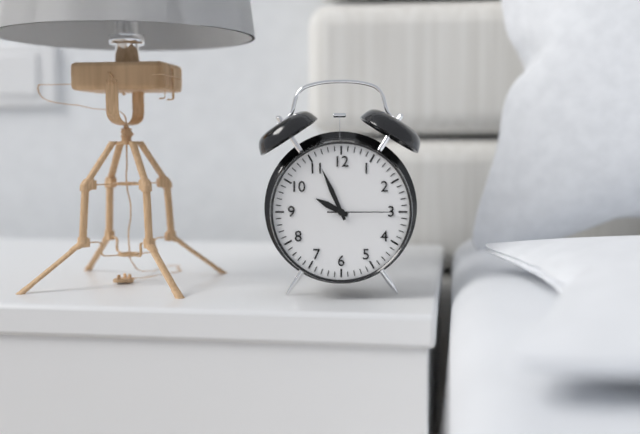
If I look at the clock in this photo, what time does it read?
9:56:15
